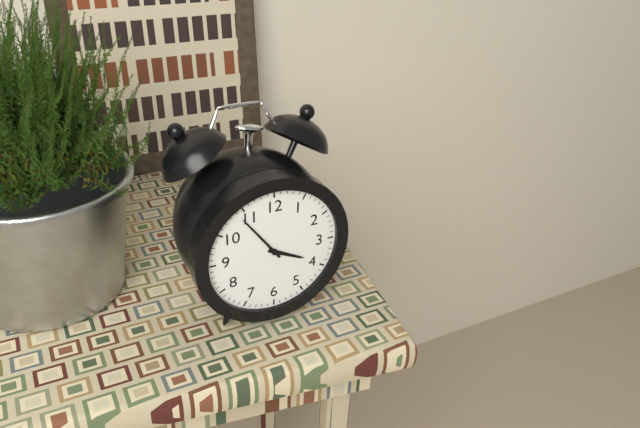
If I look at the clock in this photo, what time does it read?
3:54
